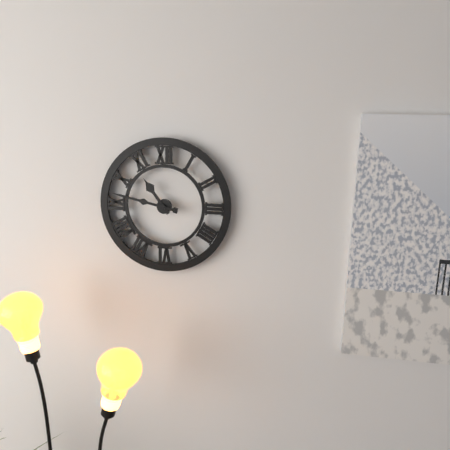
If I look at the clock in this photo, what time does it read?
10:47
